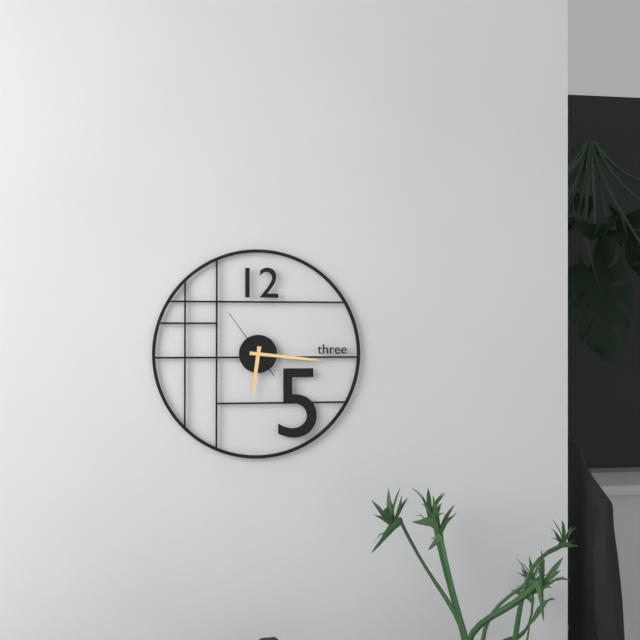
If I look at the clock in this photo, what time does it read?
6:16:54
